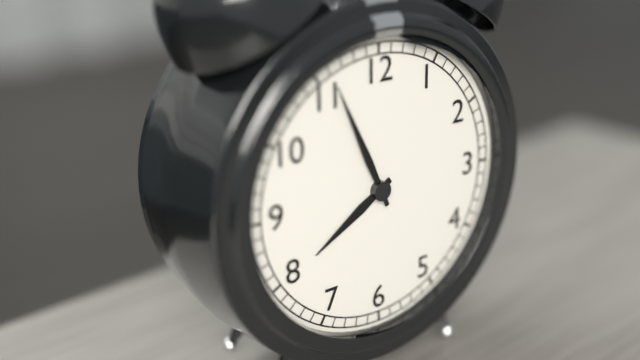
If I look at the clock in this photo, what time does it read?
7:56
